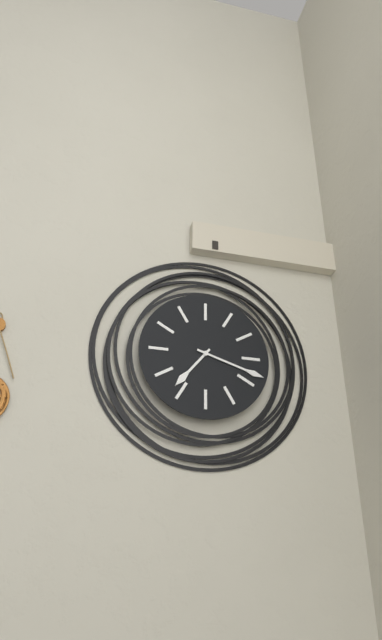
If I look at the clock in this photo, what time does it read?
7:18
